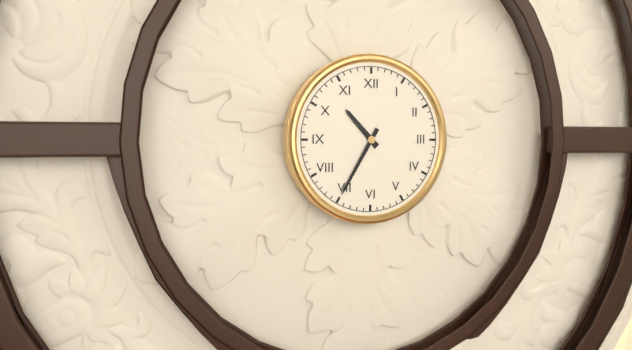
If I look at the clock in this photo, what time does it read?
10:35
